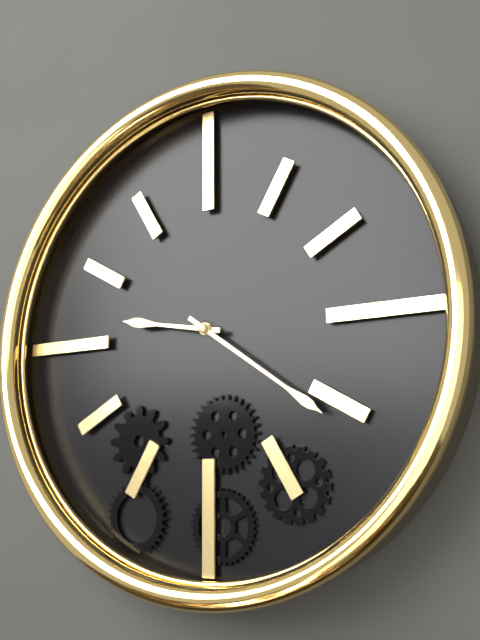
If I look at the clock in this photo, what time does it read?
9:21
